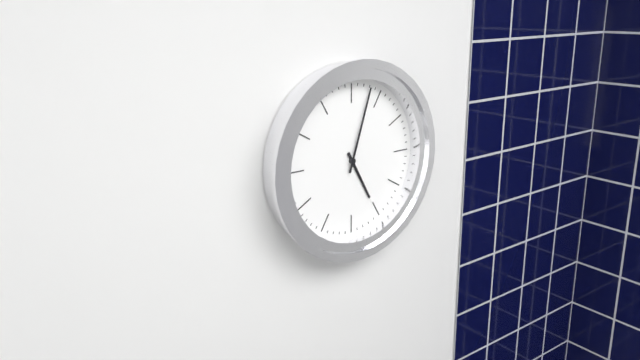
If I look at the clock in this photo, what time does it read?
5:03
